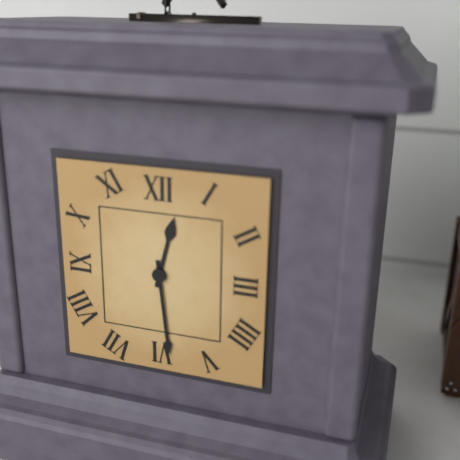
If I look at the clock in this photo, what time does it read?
12:29
